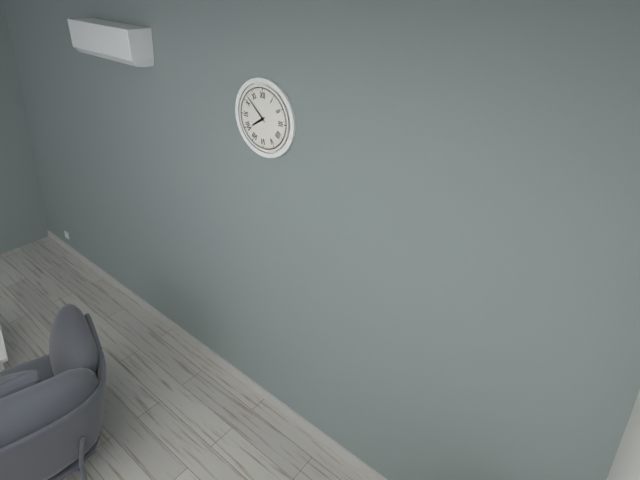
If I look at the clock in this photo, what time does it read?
7:52
